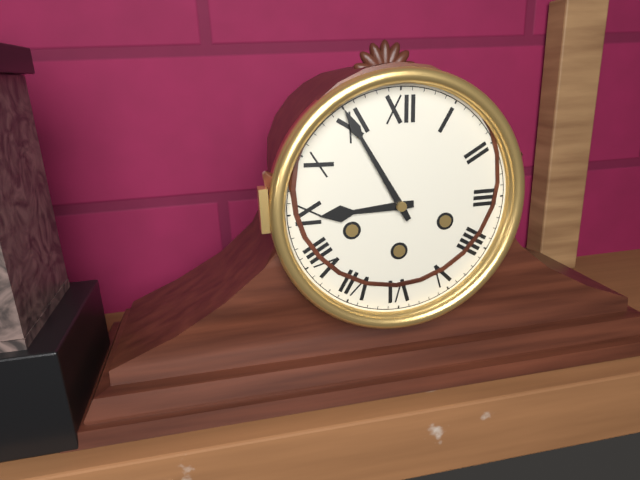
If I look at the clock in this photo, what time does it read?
8:55
